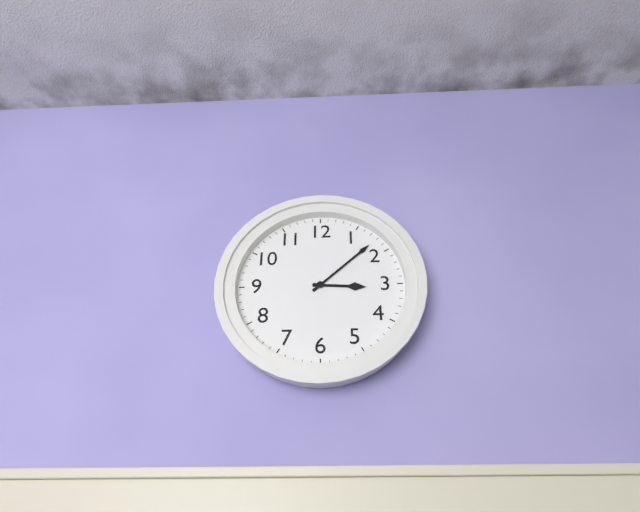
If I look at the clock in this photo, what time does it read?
3:08
